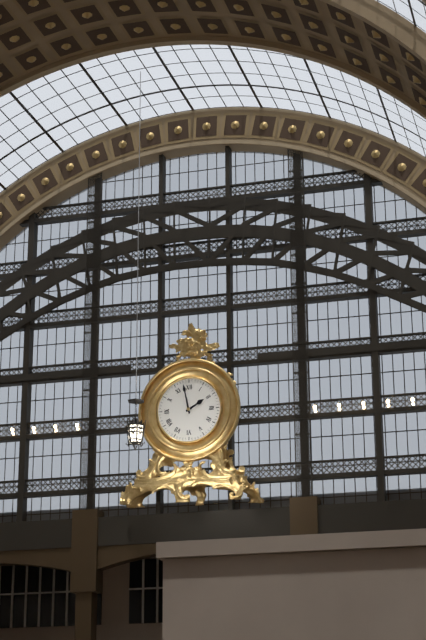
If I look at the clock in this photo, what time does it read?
1:58
